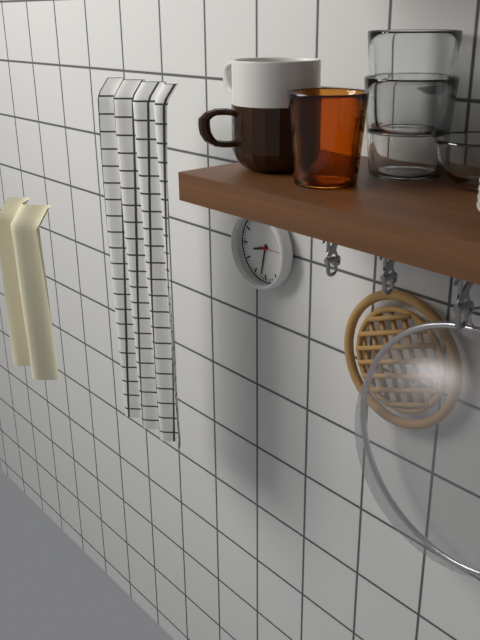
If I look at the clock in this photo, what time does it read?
8:32
